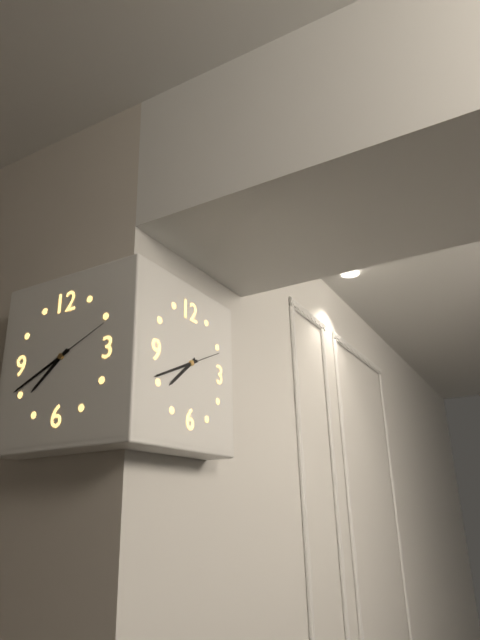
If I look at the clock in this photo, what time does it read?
7:41
